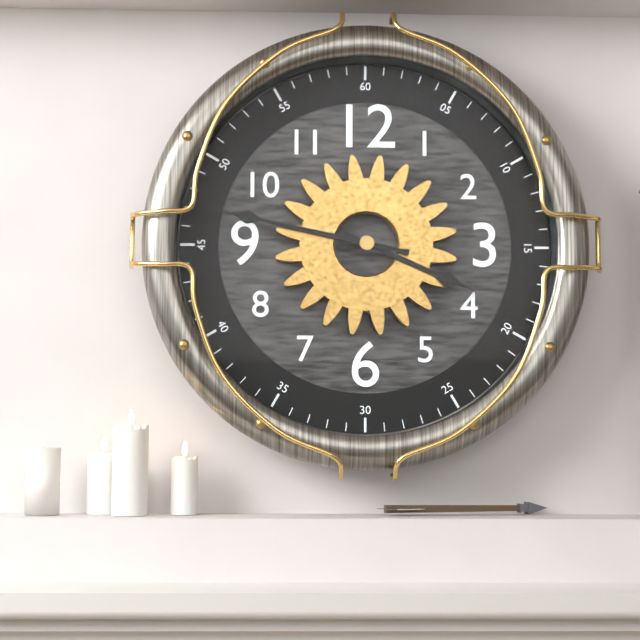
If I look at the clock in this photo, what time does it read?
3:47
